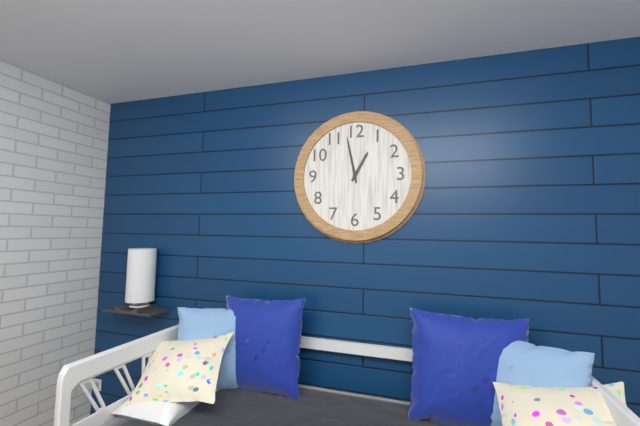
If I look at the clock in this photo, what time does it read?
12:58
